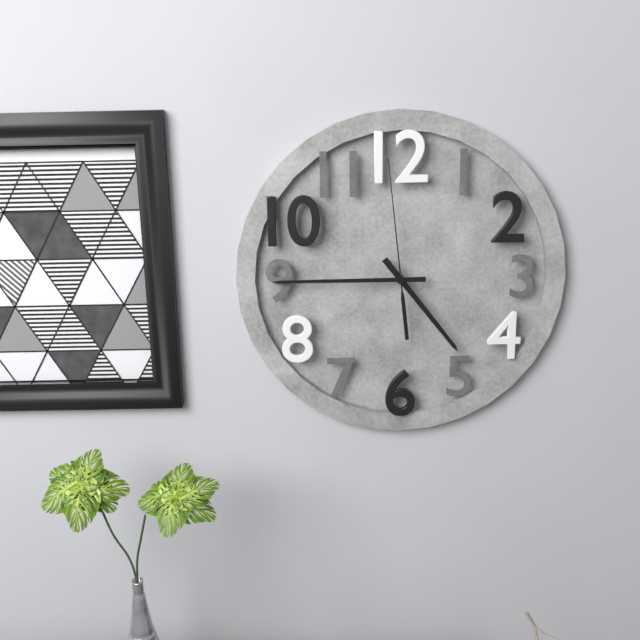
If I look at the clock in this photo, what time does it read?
4:45:59
